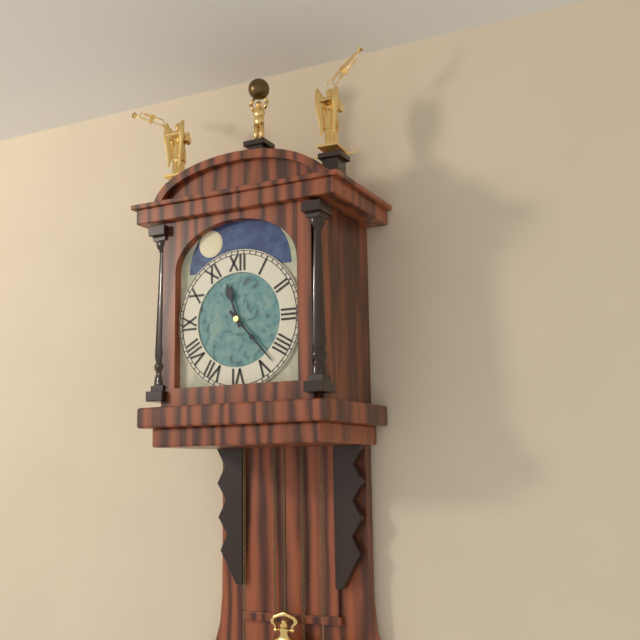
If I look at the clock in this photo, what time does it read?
11:23
